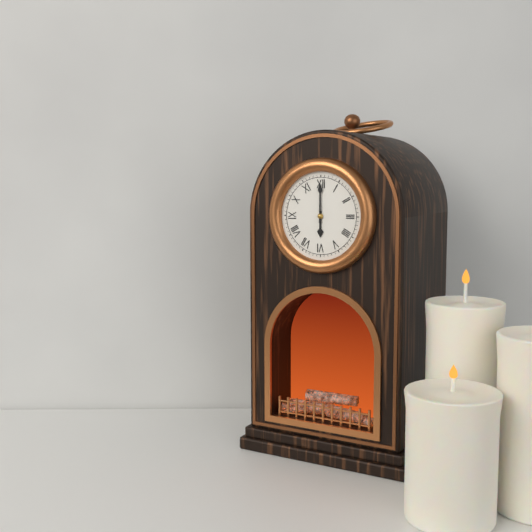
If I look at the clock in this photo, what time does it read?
6:00
